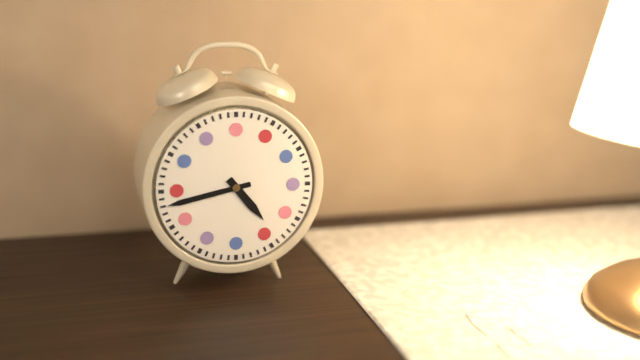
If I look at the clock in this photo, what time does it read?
4:43
